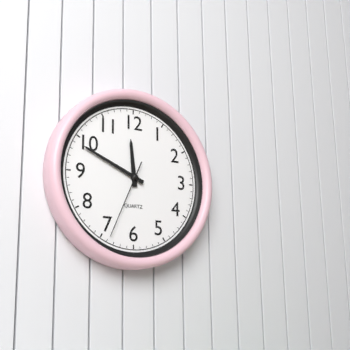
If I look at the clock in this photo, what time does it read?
11:49:34
